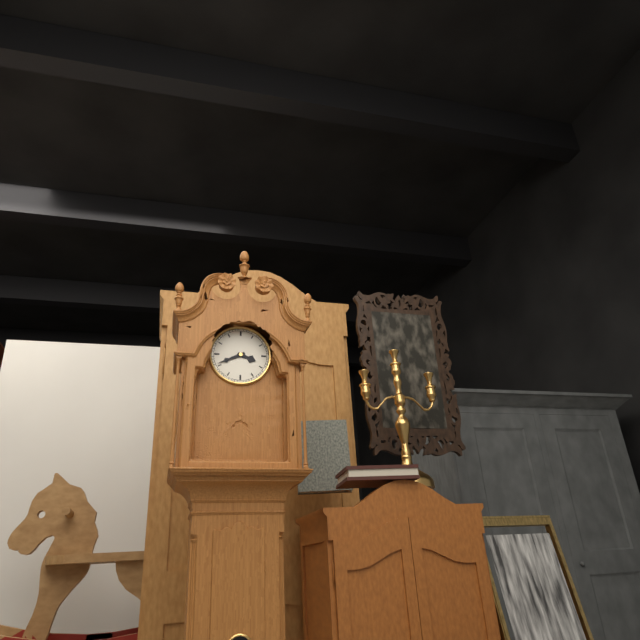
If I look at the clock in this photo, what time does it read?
3:41
